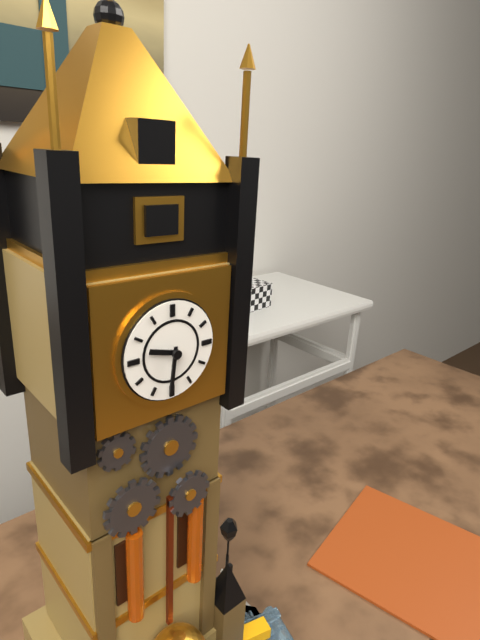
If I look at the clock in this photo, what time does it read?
9:31
